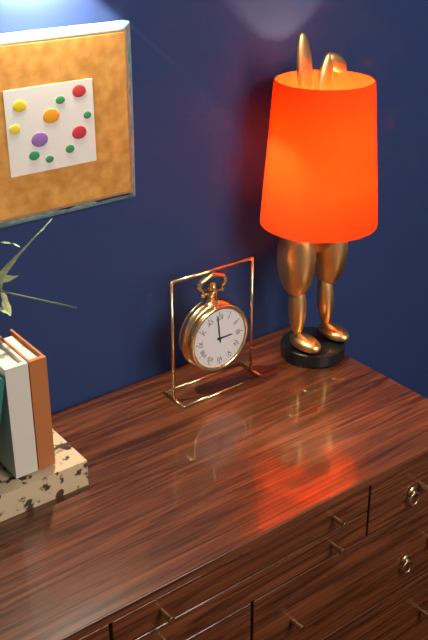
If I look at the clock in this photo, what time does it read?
2:59
